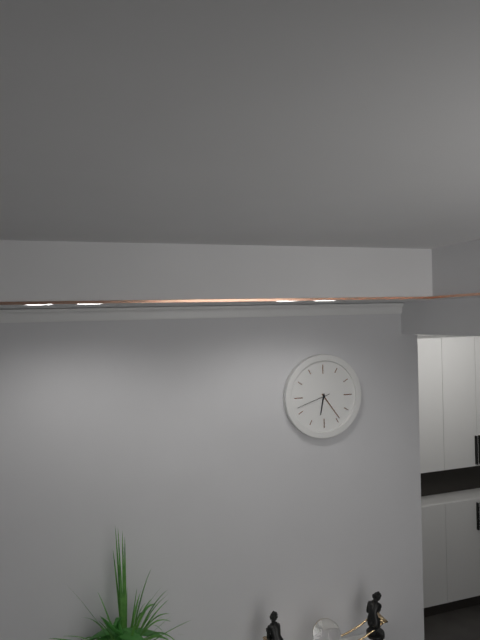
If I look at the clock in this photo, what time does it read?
6:24
